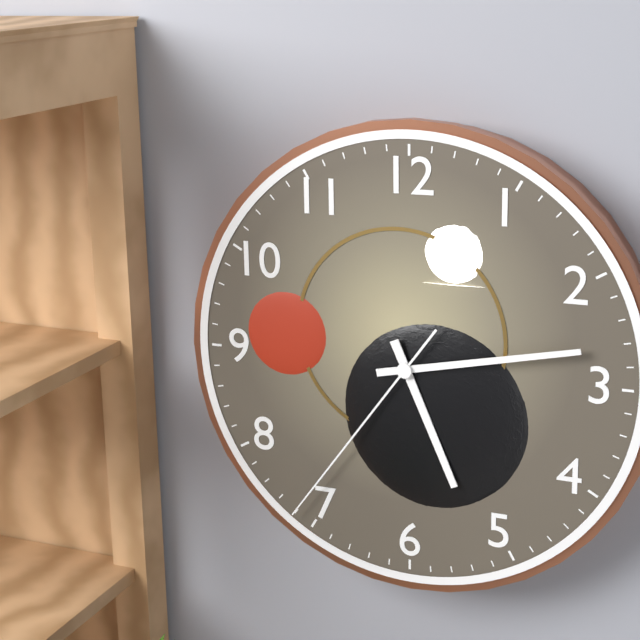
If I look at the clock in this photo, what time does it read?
5:13:36
